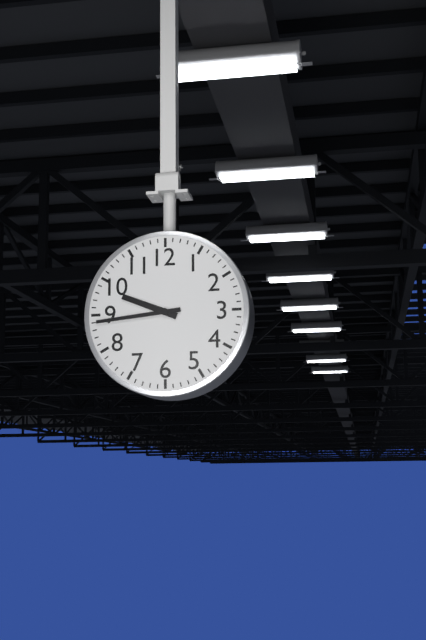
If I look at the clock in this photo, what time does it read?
9:44
